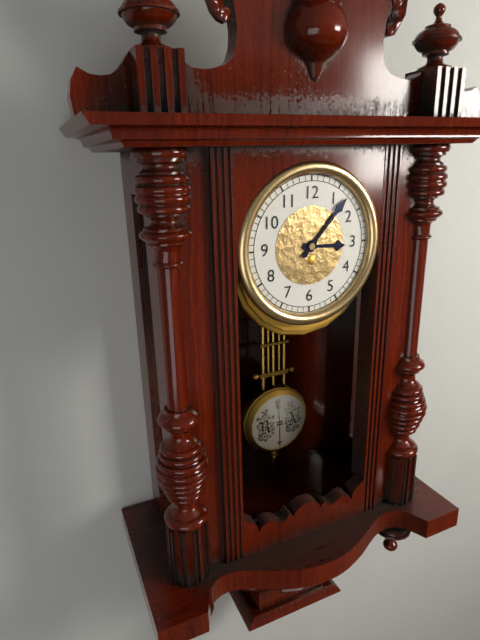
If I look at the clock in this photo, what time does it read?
3:07
